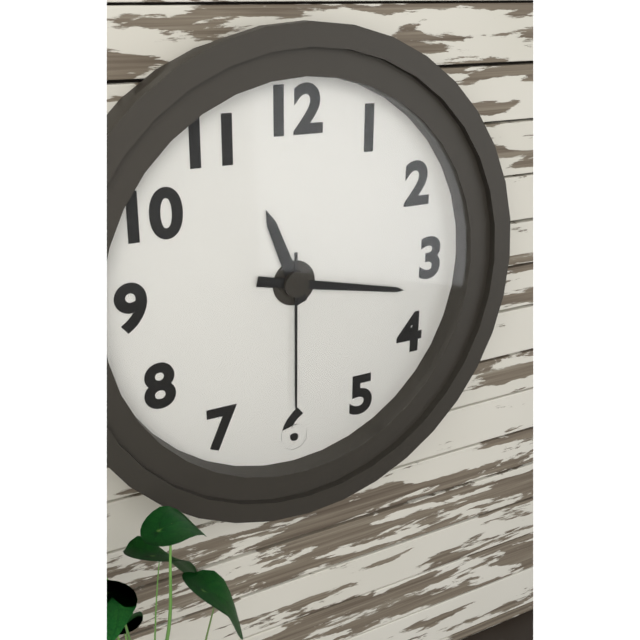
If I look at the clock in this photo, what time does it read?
11:17:30
